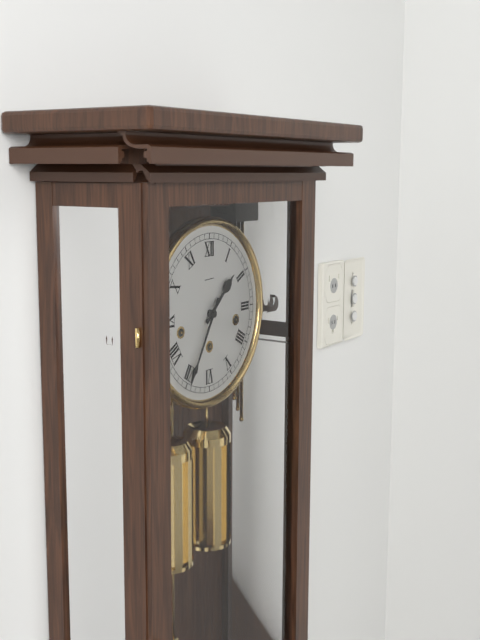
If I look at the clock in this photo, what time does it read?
1:35
